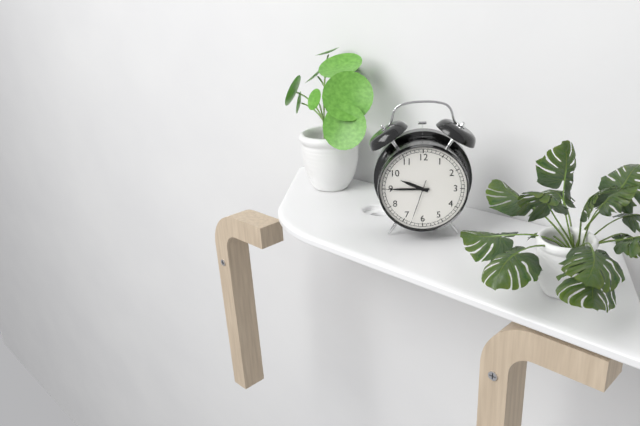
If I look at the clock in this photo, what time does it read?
9:45
